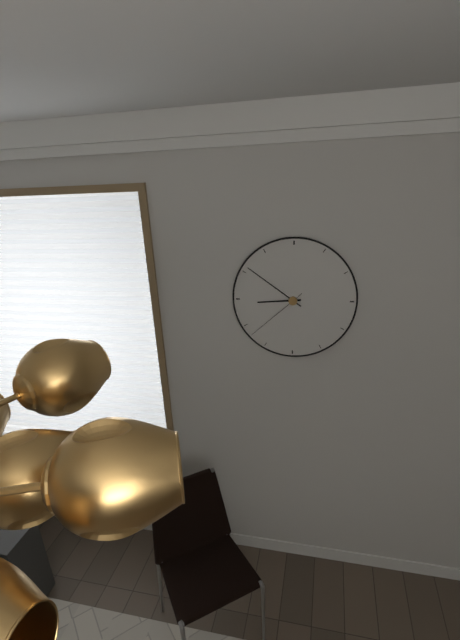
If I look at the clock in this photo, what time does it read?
8:51:38
